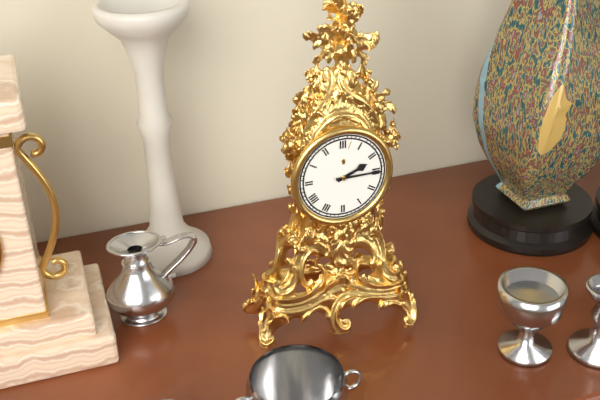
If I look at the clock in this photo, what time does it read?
2:15
